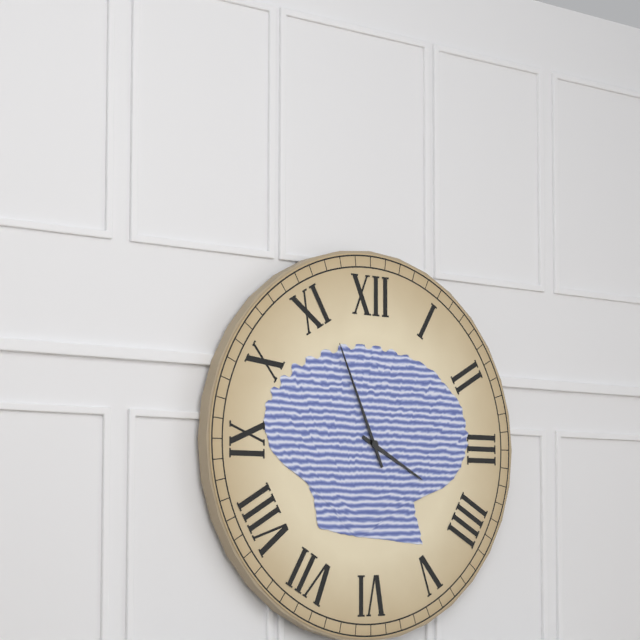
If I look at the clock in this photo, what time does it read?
3:56
